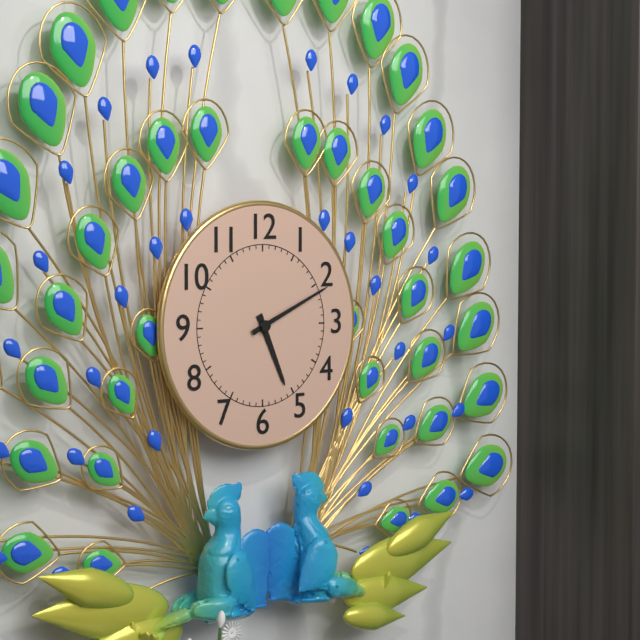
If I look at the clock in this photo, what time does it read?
5:11
